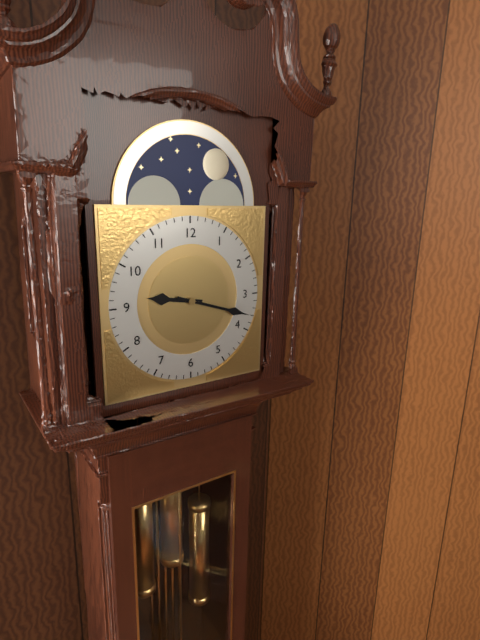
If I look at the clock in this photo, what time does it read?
9:18
